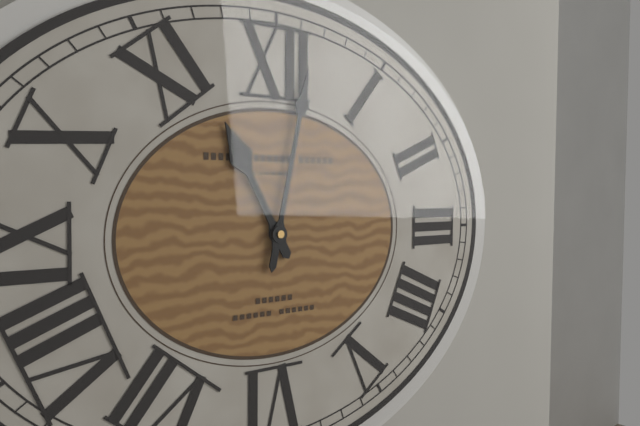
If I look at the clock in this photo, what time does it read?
11:02
